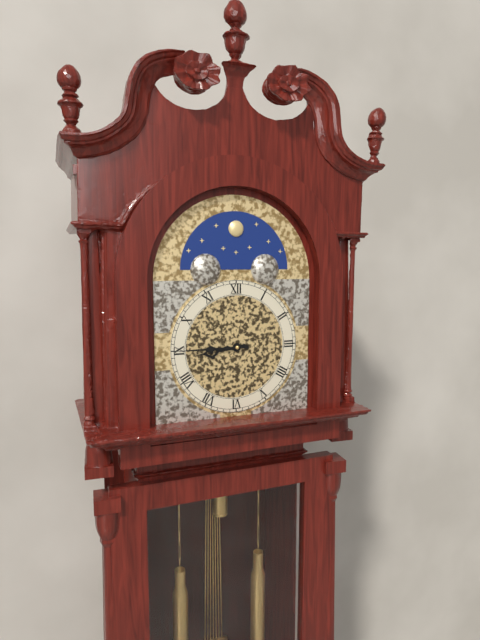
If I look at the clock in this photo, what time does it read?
8:45
